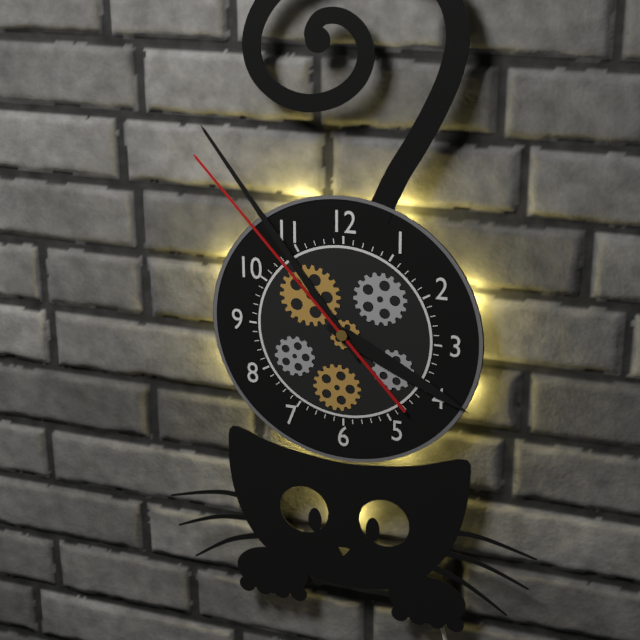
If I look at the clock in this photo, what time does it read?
3:54:53
